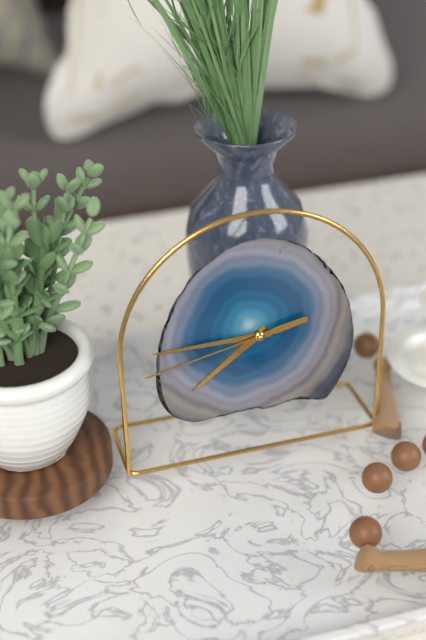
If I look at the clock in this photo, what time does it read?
7:45:43
